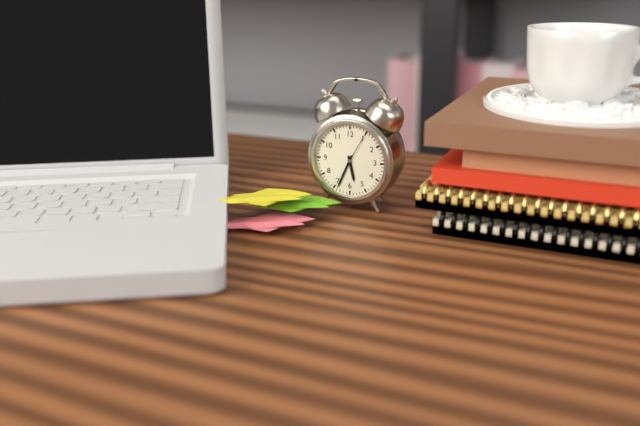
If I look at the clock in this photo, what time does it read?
5:34
